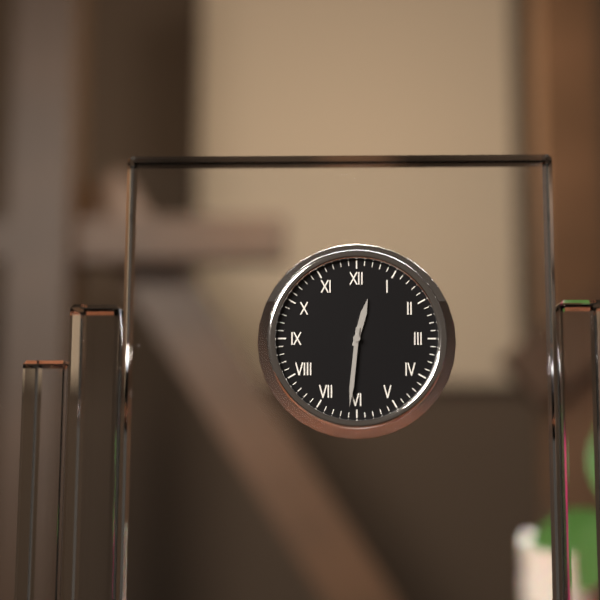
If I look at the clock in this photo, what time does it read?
12:31
